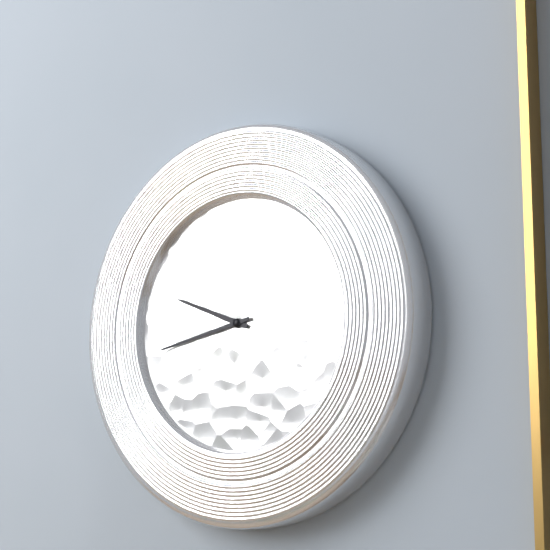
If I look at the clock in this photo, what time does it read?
9:43
